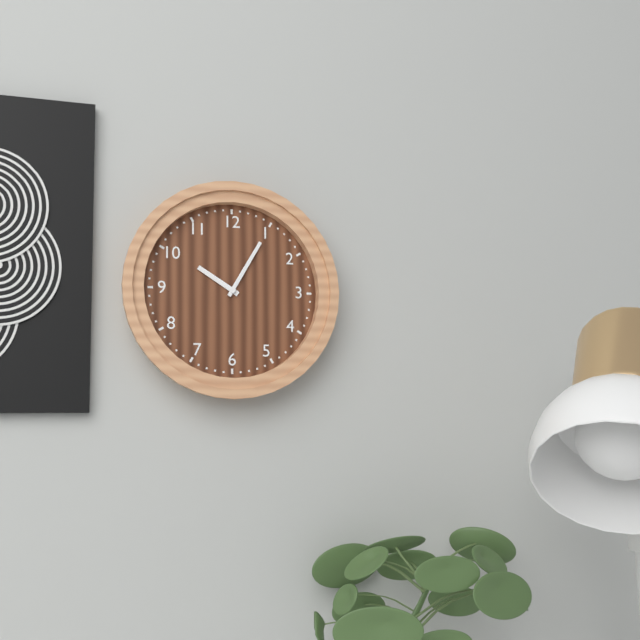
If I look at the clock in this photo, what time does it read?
10:05
